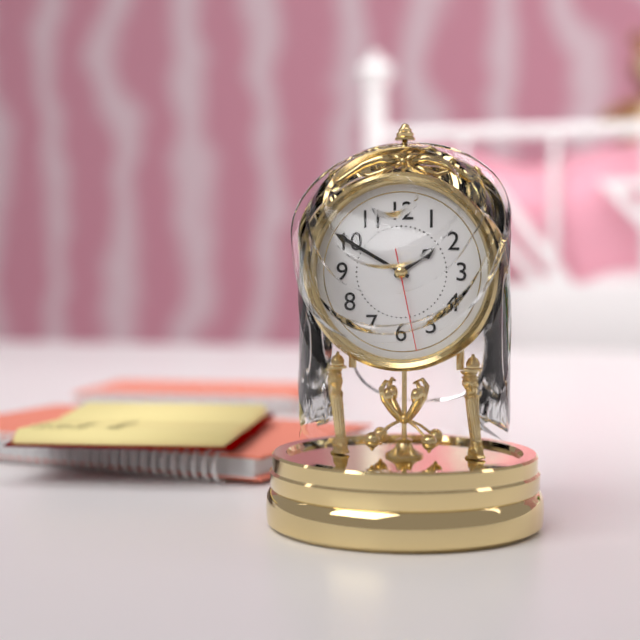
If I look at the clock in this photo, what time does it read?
1:50:28
